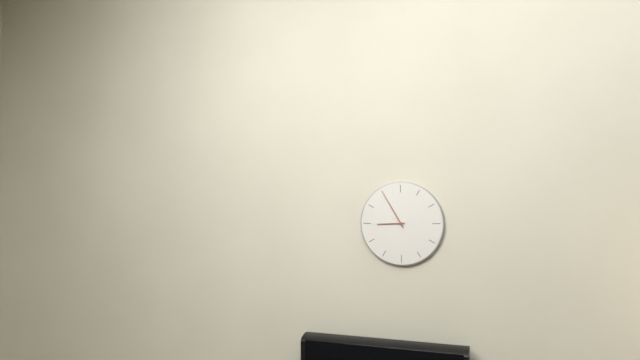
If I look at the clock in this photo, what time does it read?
8:55
